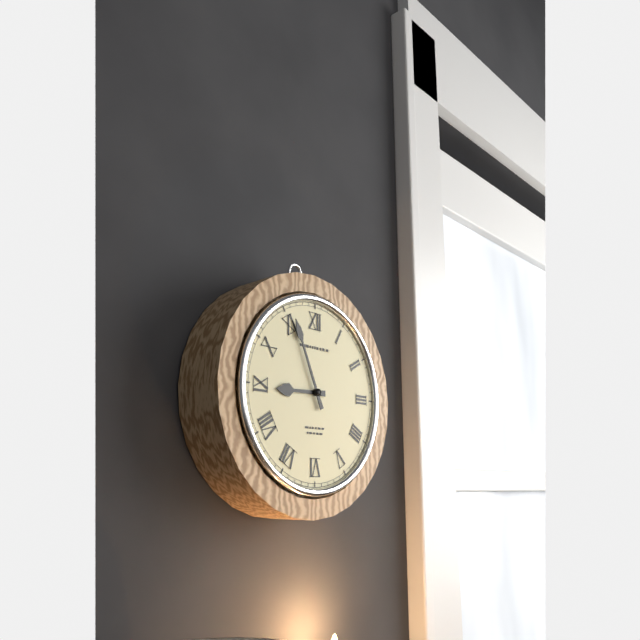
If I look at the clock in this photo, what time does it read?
8:56
